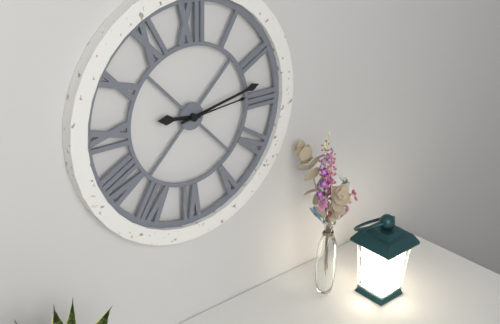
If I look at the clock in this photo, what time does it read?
9:13:14
